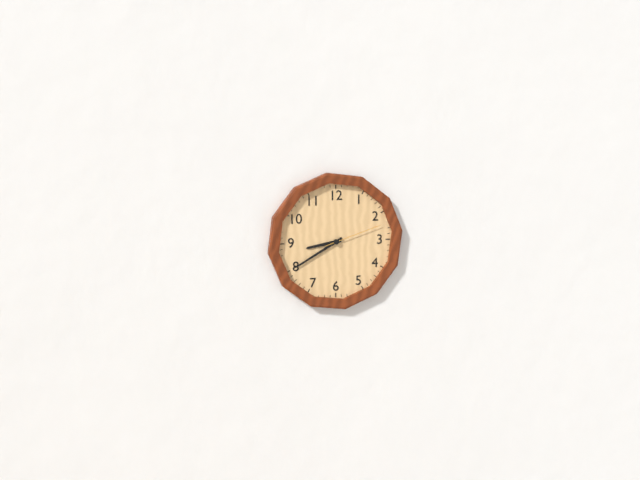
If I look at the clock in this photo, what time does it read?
8:40:12
